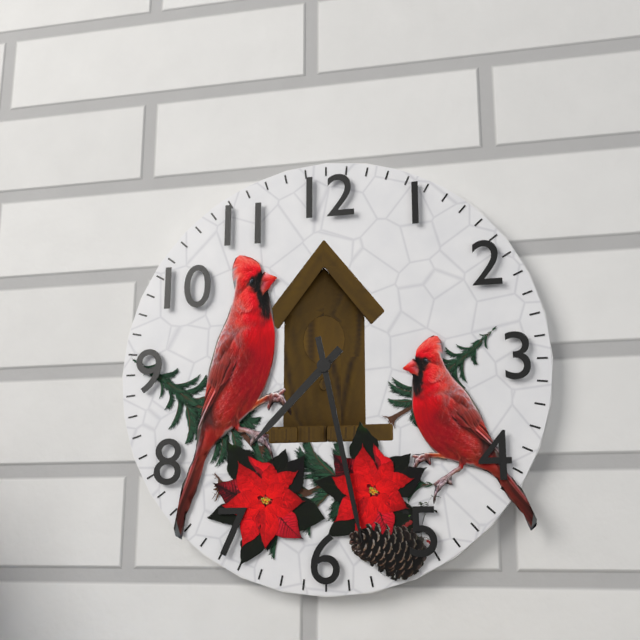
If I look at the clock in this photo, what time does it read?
7:28
